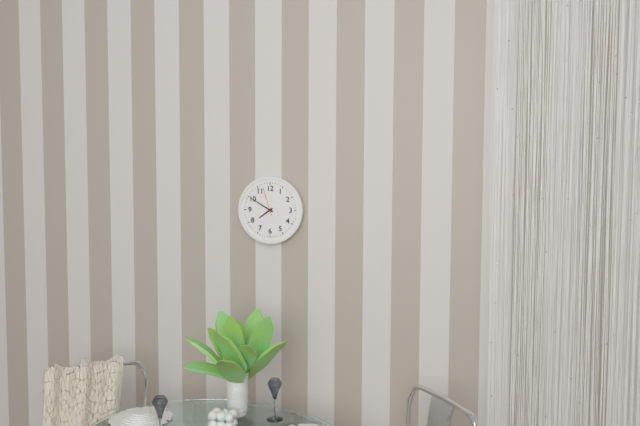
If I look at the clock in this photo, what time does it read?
7:50
